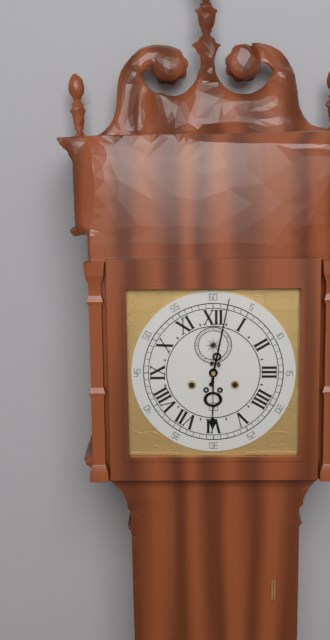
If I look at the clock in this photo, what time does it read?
6:02
